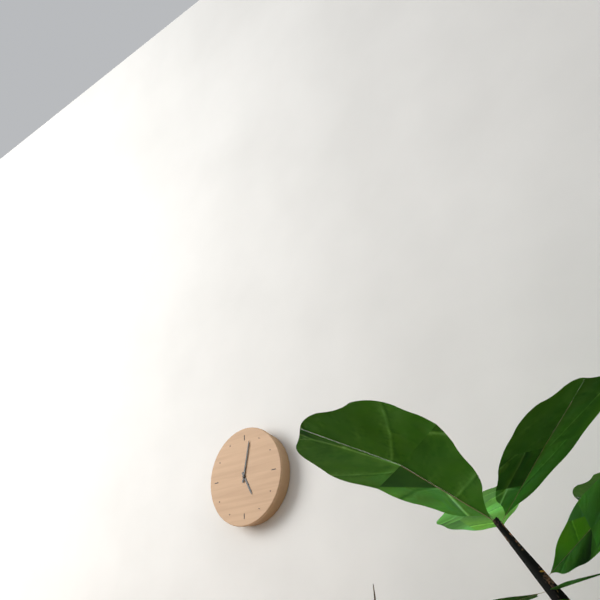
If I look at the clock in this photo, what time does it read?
5:02
